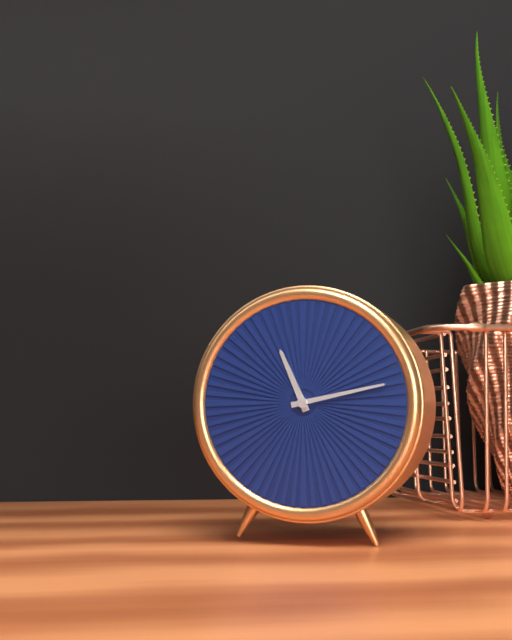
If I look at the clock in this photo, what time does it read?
11:13
